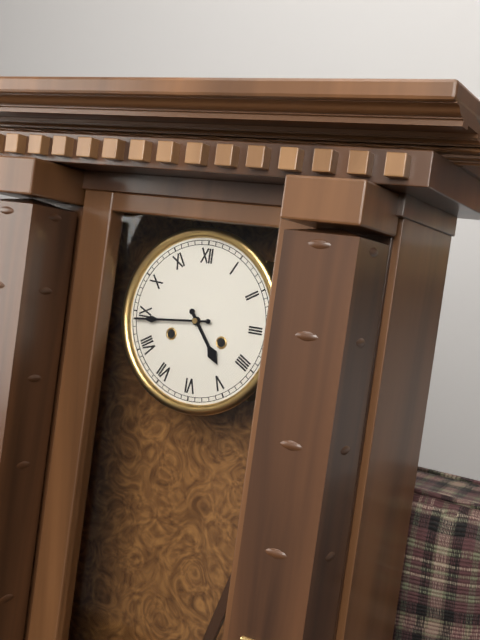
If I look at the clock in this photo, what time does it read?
4:44
